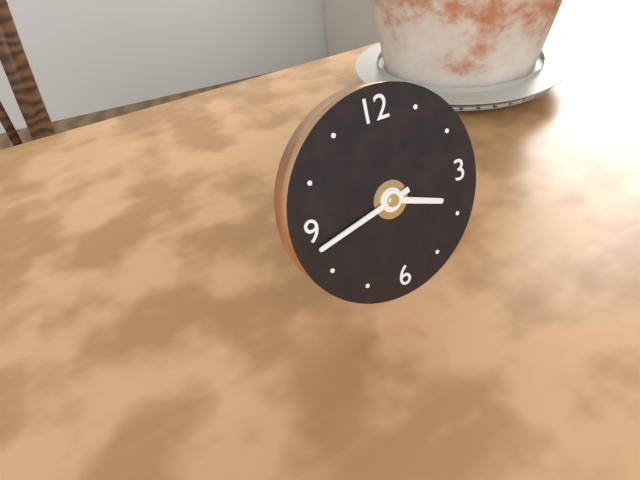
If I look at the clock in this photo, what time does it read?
3:43
